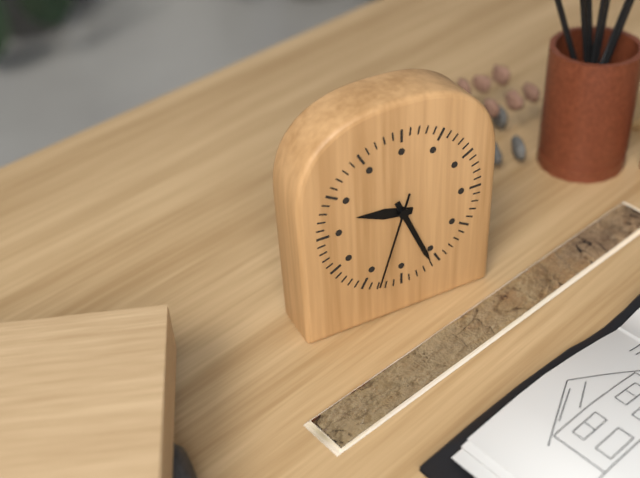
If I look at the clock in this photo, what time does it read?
9:26:33
